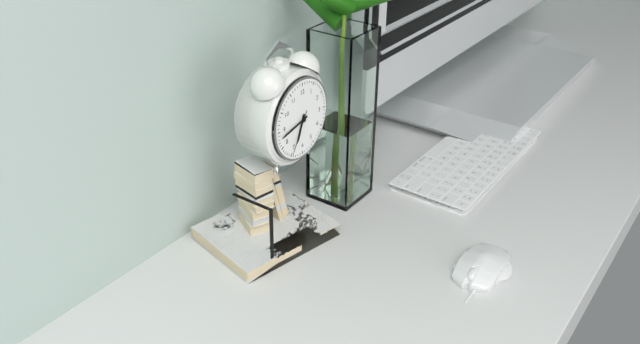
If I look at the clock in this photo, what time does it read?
6:43
